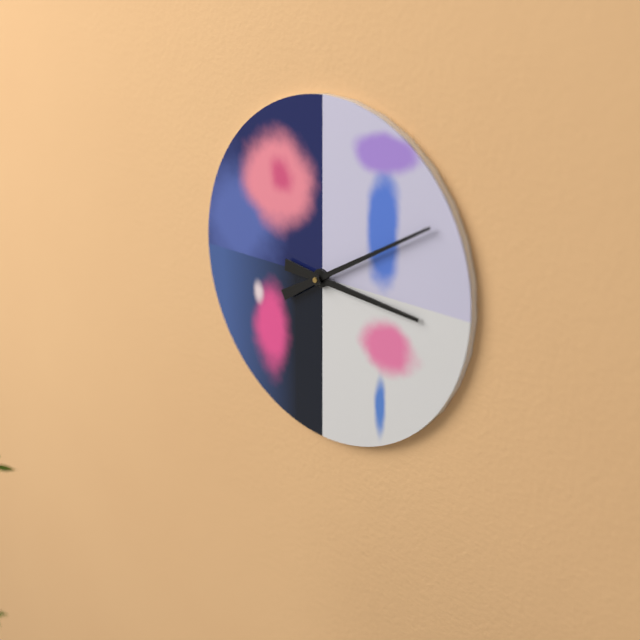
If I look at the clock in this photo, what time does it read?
3:10
